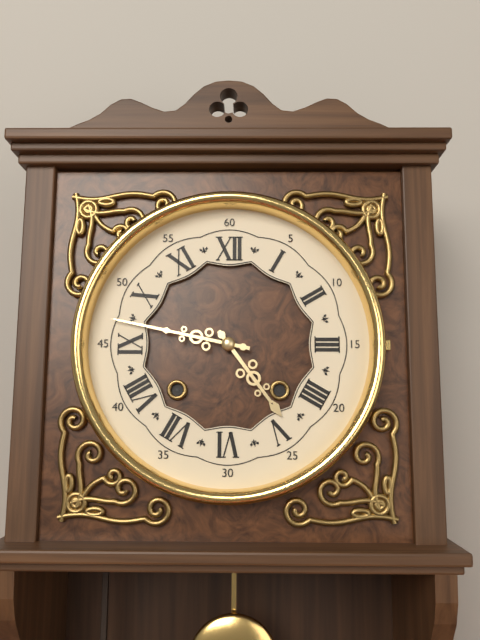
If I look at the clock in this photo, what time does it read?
4:47
